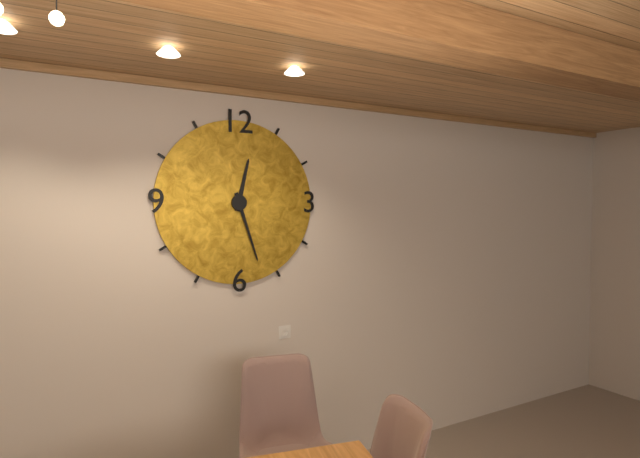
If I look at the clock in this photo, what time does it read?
12:27
